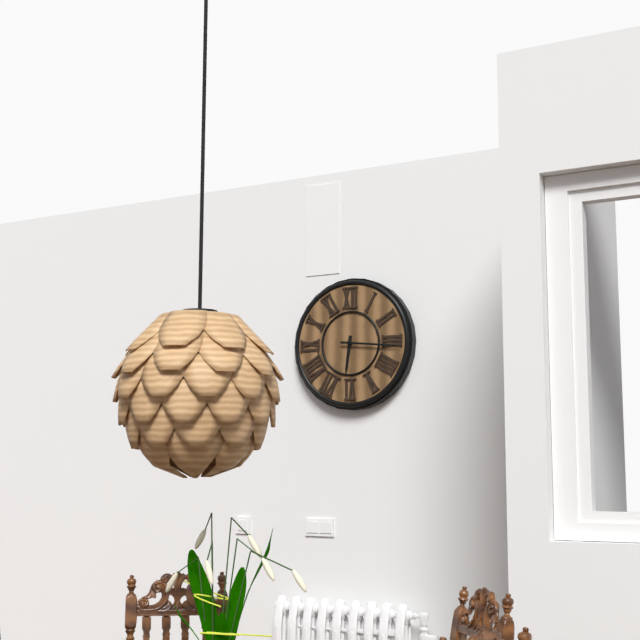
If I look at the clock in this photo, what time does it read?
6:16
